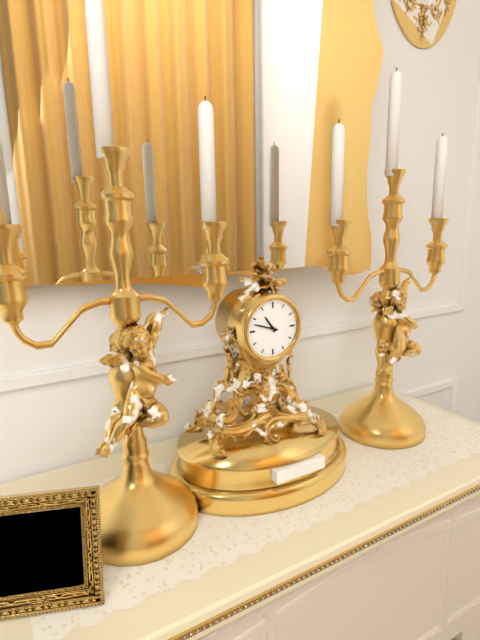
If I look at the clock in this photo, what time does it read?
10:48
